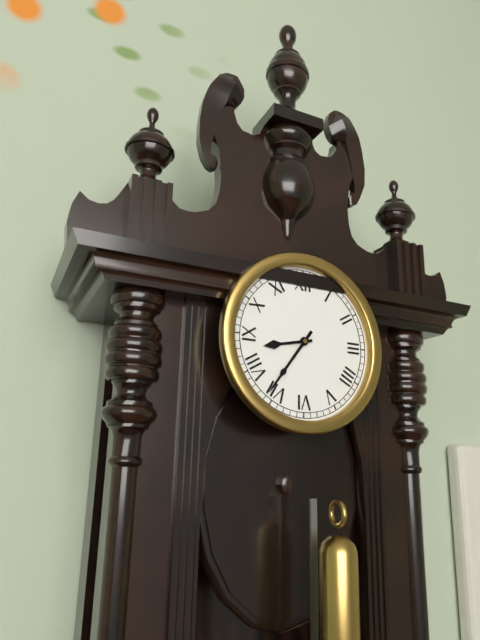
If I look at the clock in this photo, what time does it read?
8:36
